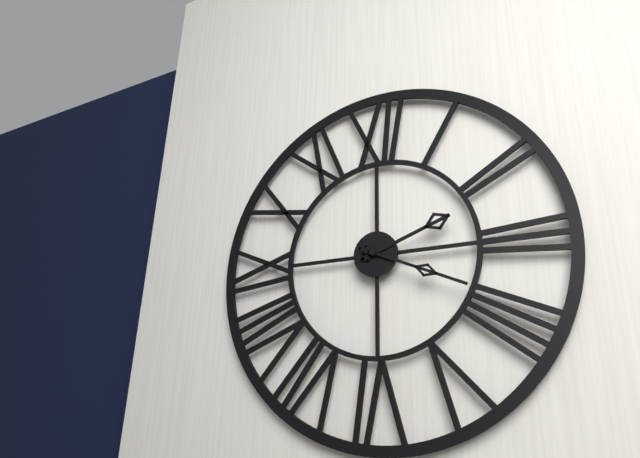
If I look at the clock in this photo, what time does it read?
2:19
